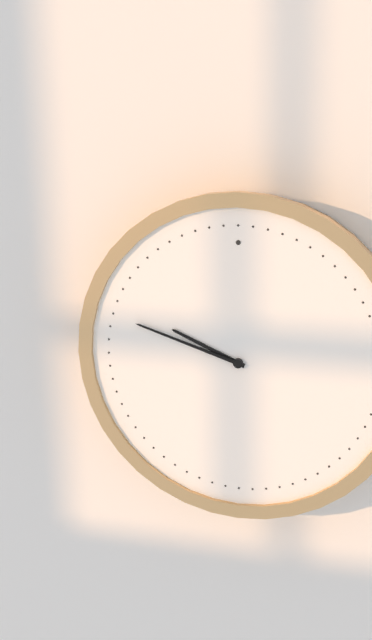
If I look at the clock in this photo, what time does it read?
9:48
